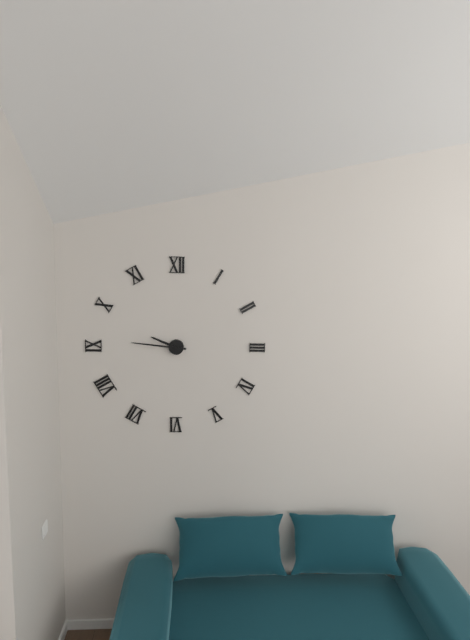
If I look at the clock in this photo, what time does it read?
9:46
